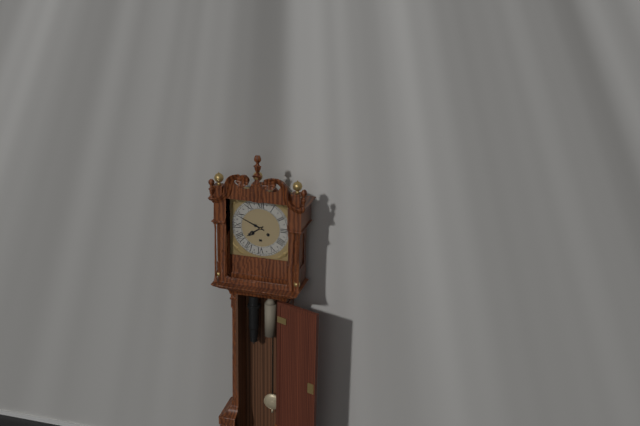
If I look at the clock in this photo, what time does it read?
7:49
